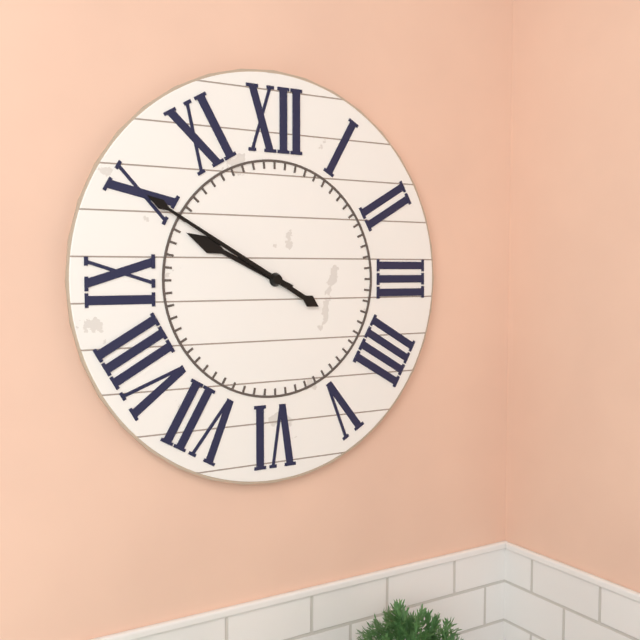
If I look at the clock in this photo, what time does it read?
9:50
